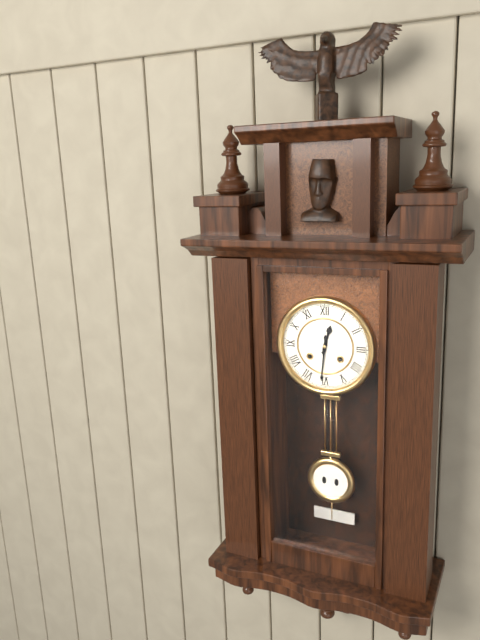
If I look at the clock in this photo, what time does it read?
12:31
